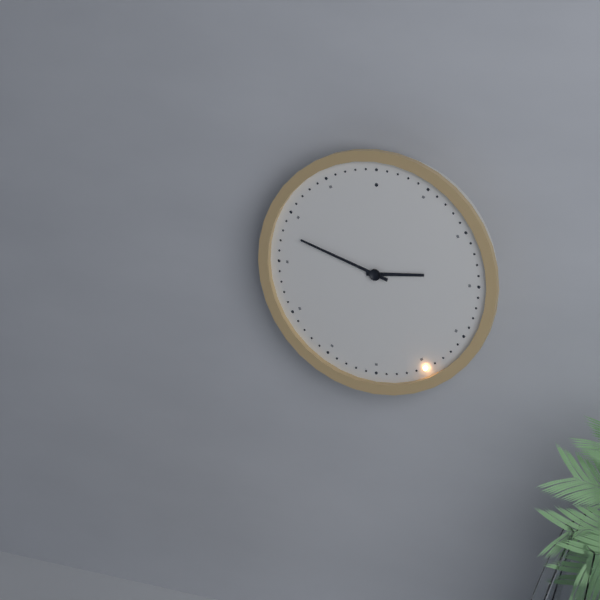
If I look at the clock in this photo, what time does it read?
2:48
